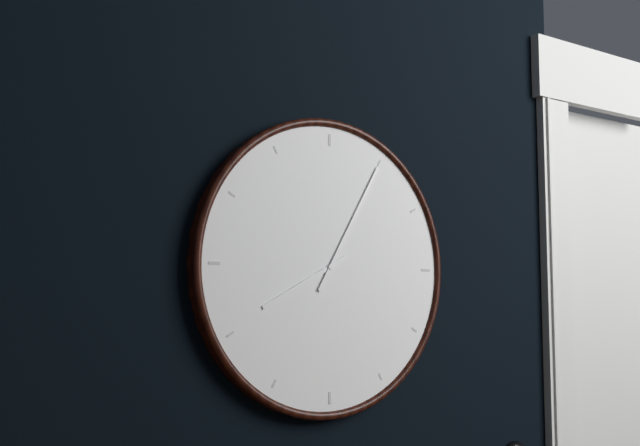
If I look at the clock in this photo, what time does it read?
8:05
